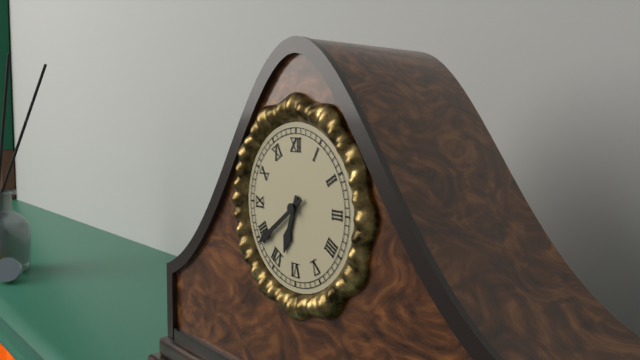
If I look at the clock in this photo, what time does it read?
6:39
